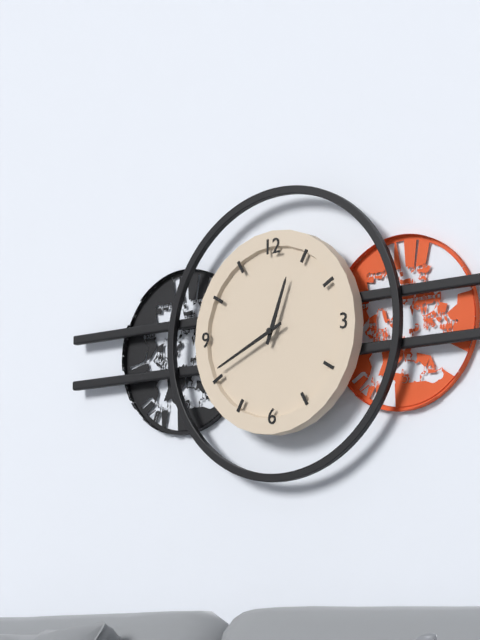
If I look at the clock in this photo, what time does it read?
12:41
